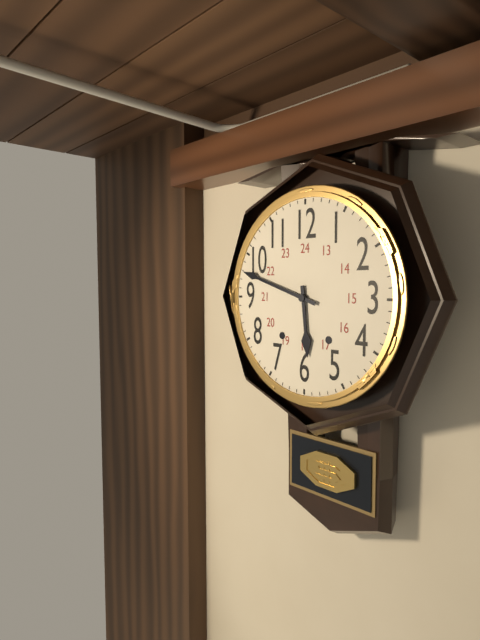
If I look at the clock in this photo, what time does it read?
5:48
